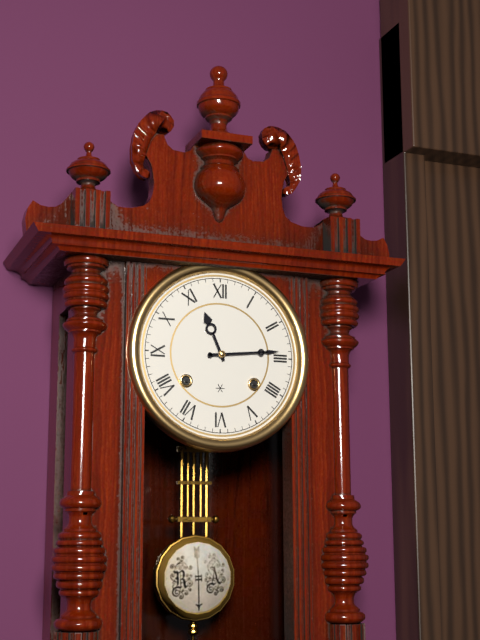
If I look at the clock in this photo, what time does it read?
11:14
